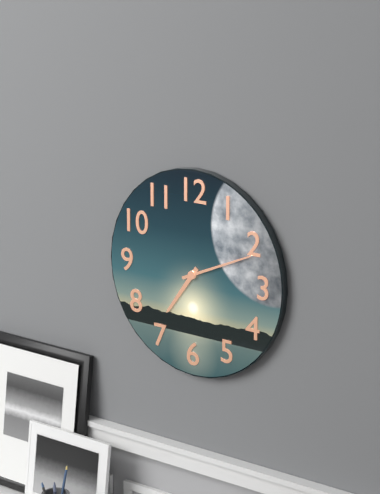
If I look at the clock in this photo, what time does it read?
7:11
